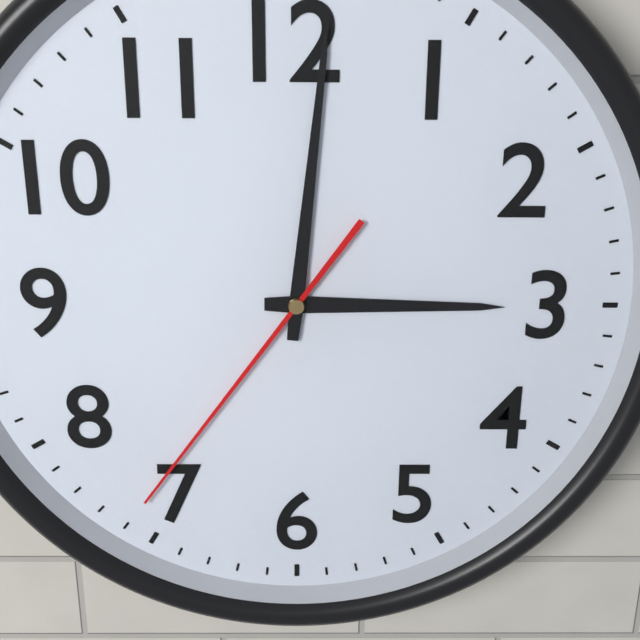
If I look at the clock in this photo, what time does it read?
3:01:36
